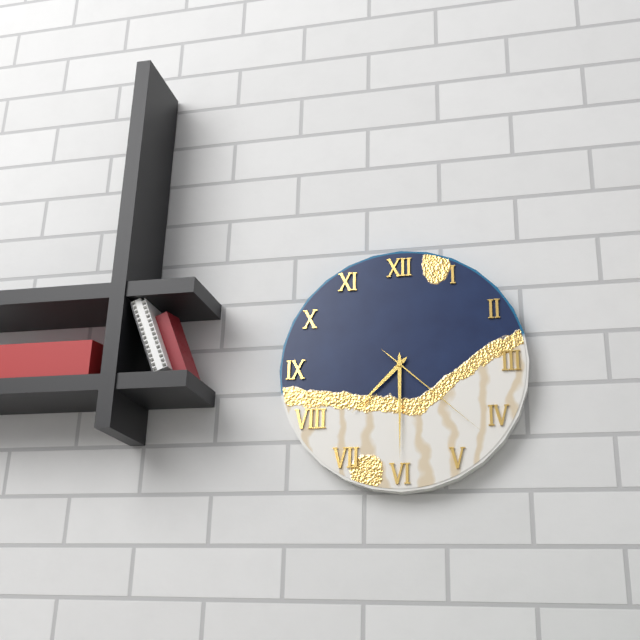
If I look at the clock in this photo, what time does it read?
7:30:22
